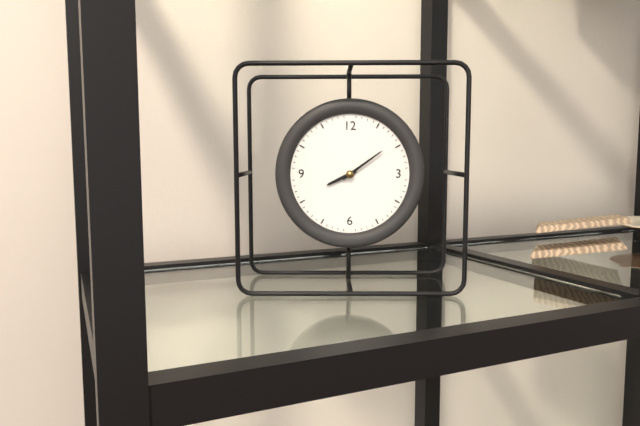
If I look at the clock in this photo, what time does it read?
8:09
